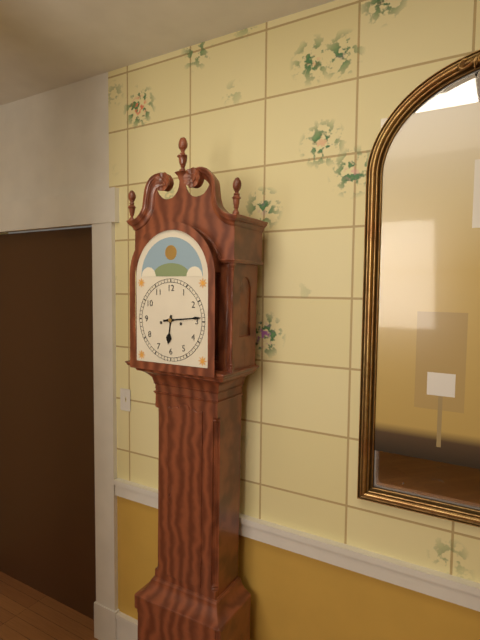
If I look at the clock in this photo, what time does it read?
6:14
